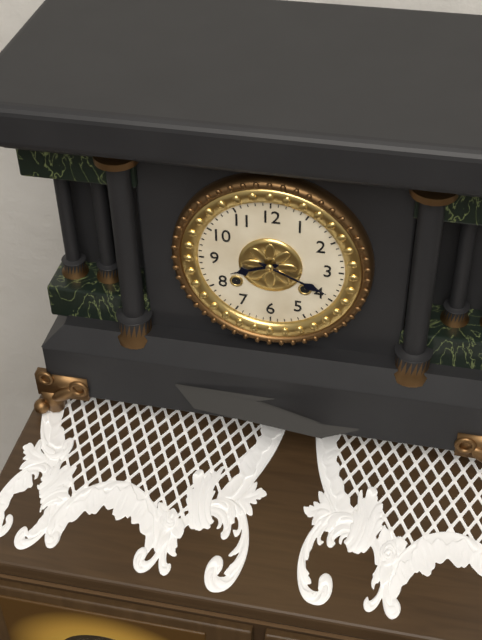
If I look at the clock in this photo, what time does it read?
8:19
